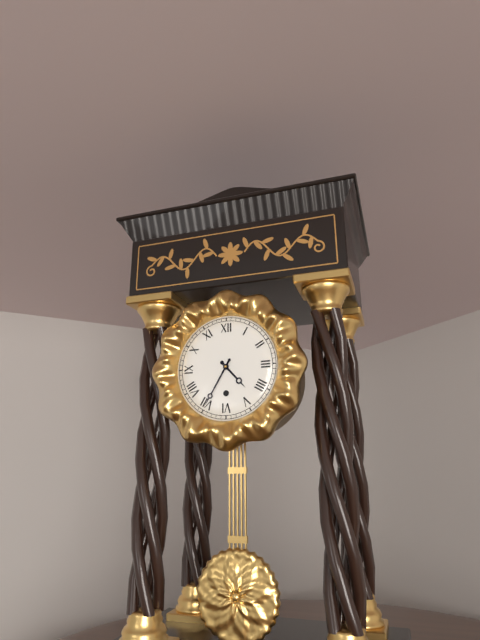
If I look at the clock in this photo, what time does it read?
4:35
